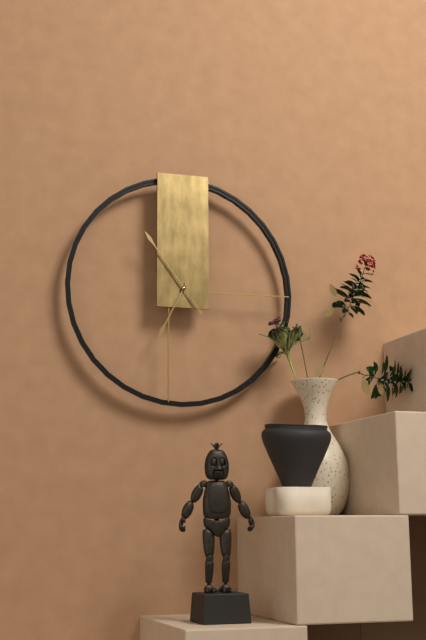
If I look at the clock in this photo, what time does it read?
6:54
